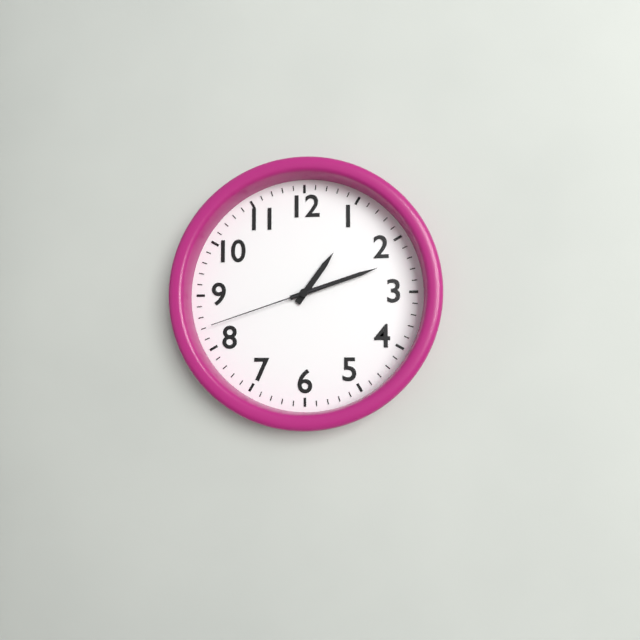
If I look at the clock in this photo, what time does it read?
1:12:42
